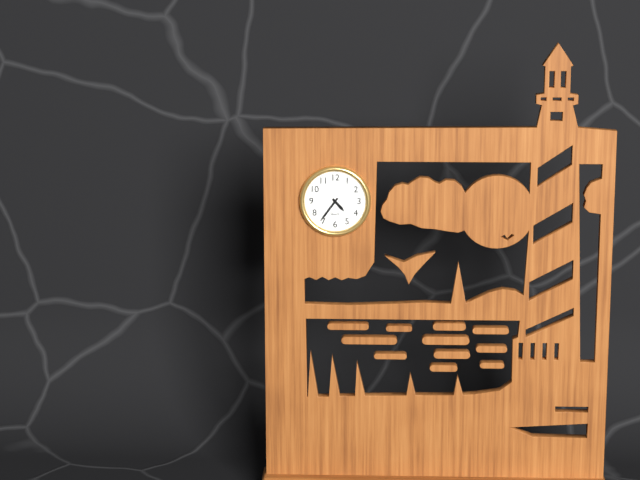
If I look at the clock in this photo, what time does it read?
4:36
